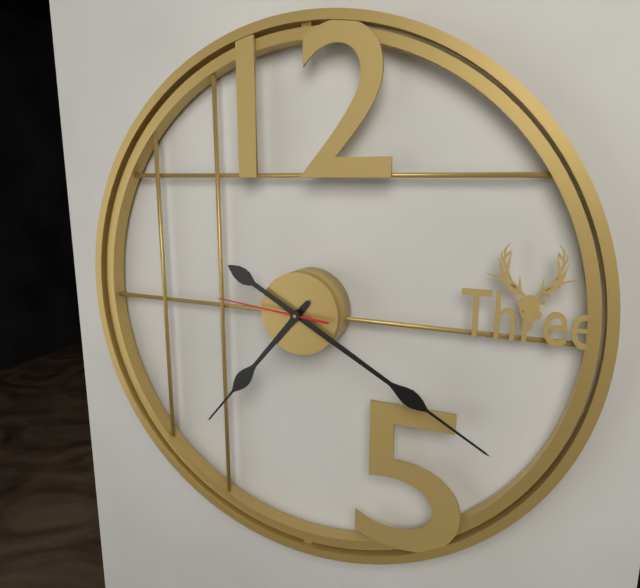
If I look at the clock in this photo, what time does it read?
7:20:46
